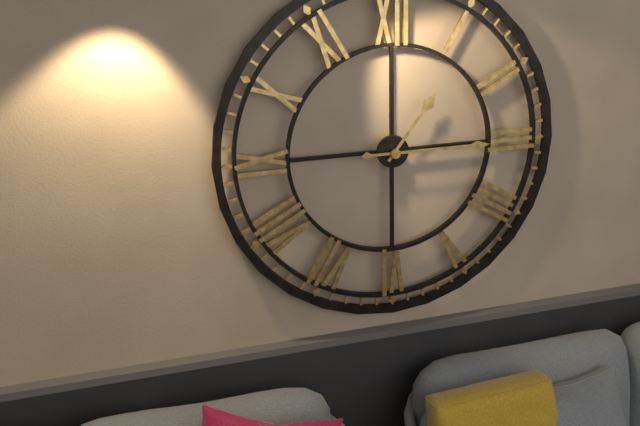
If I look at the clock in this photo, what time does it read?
1:15
